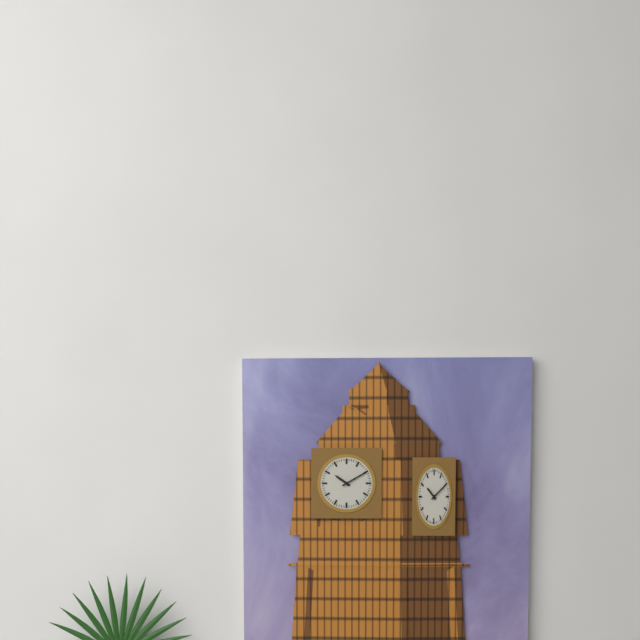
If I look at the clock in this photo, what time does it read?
10:10
